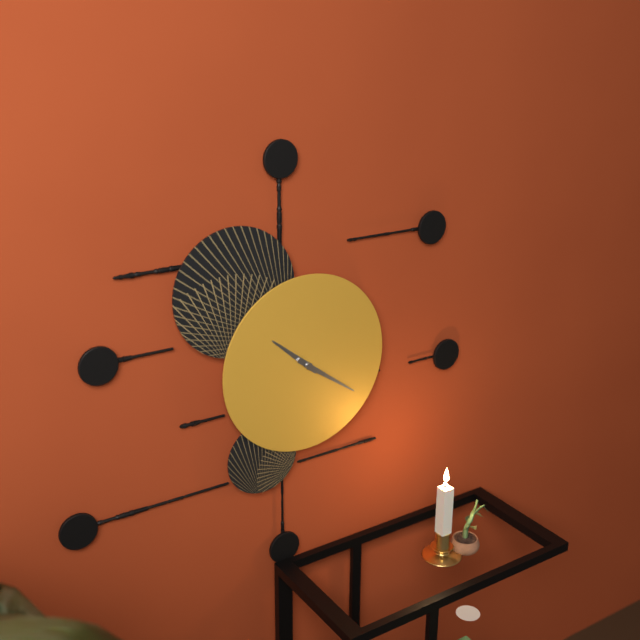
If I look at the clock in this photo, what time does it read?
10:21
